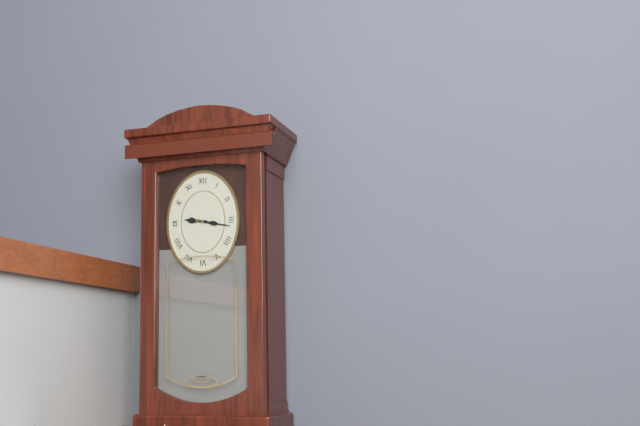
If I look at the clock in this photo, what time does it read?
9:17
